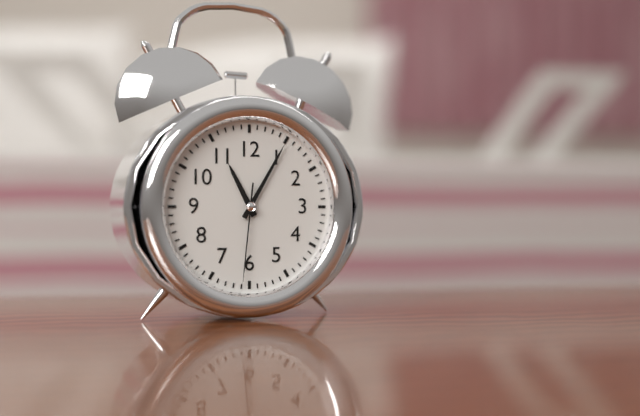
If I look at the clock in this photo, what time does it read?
11:05:31
